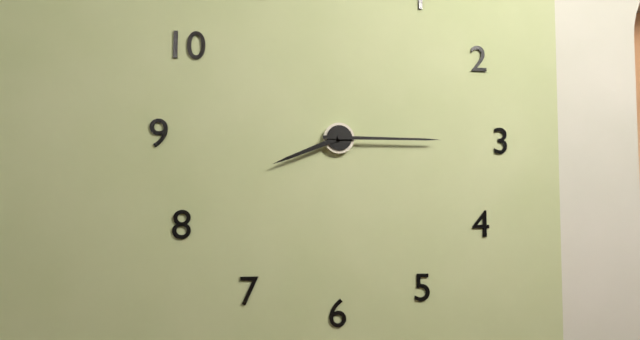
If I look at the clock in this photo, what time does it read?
8:15
